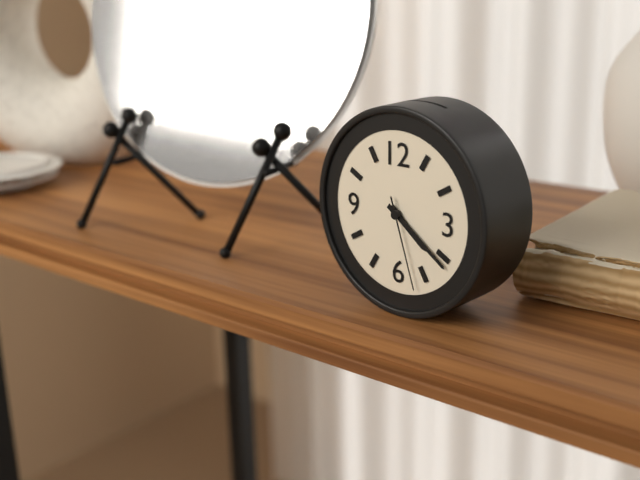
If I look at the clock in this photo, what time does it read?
4:21:27
